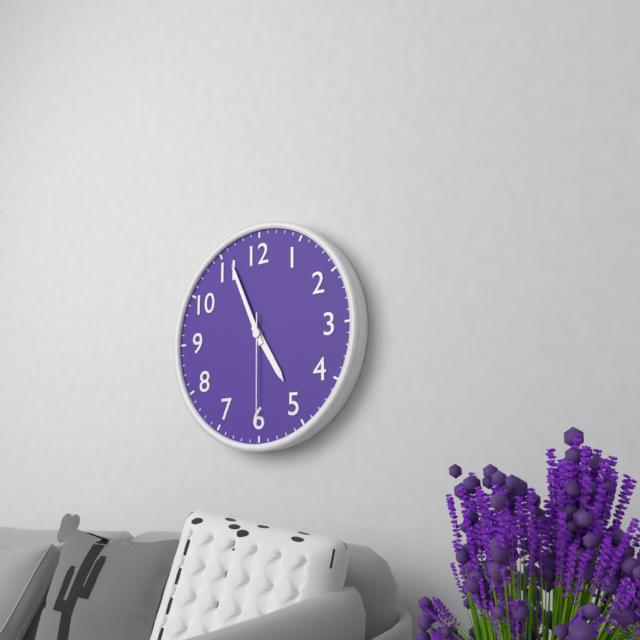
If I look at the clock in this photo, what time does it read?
4:56:30
